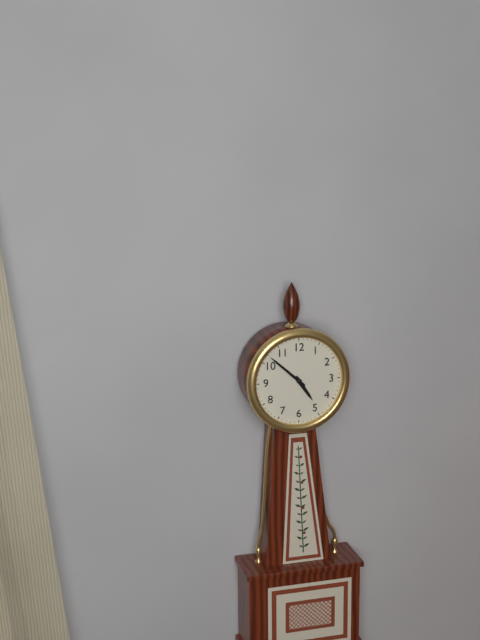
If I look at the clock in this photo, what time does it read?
4:52
